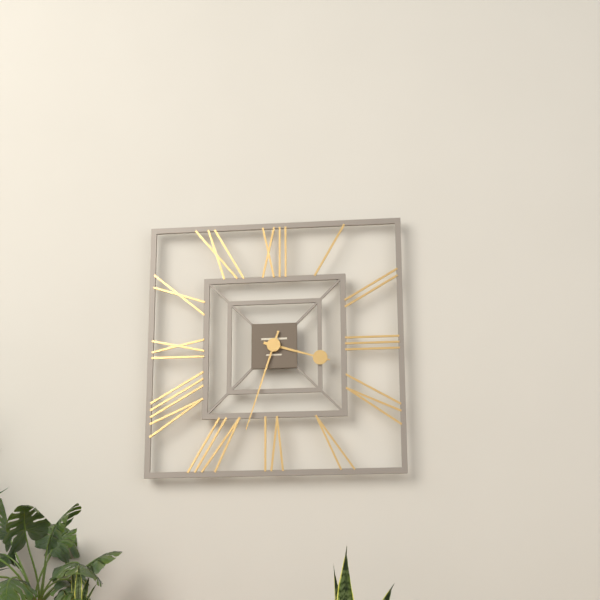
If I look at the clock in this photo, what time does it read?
3:33
